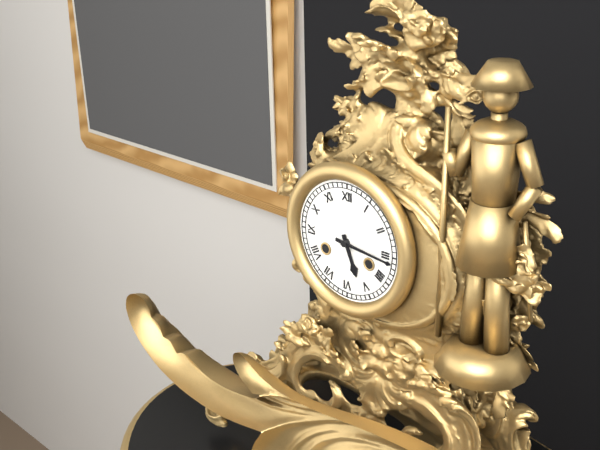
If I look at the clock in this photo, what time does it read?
5:16
